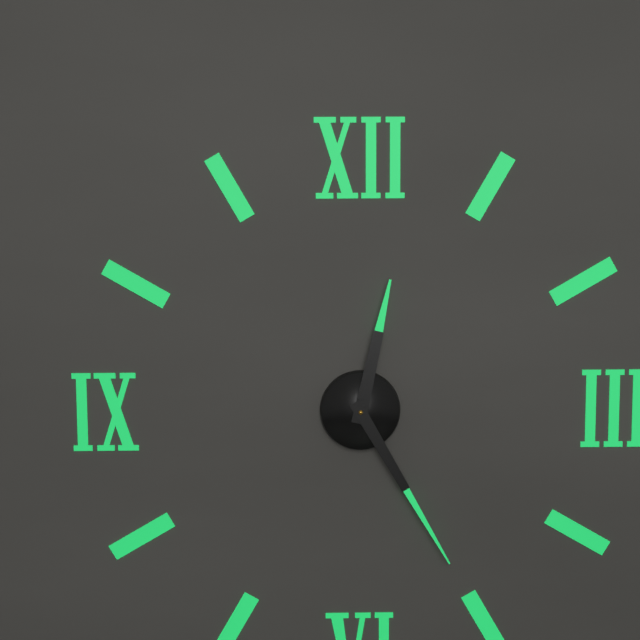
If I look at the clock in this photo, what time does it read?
12:25
